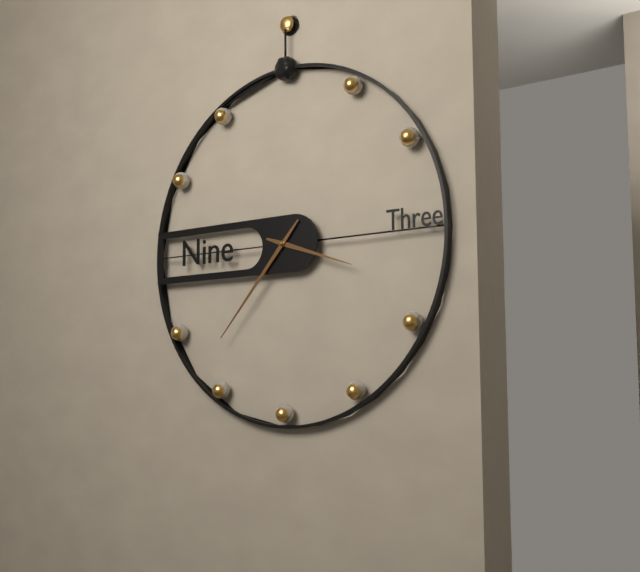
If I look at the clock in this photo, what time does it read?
3:37
